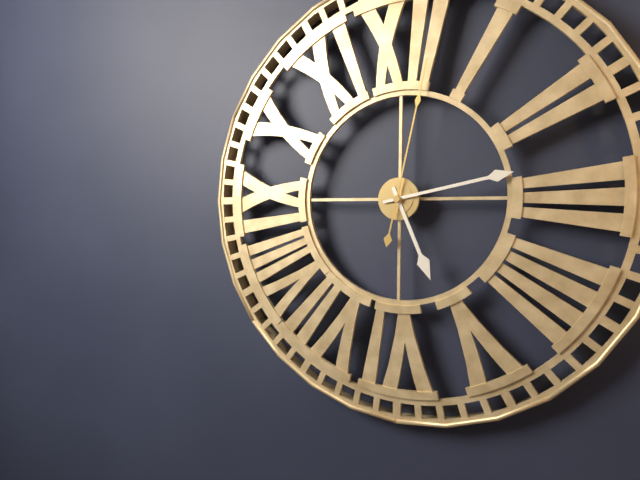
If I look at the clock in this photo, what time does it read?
5:13:02
